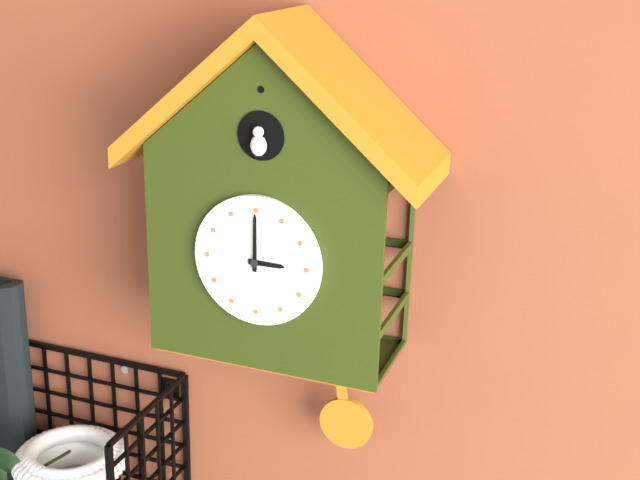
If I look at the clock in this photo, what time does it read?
3:00
